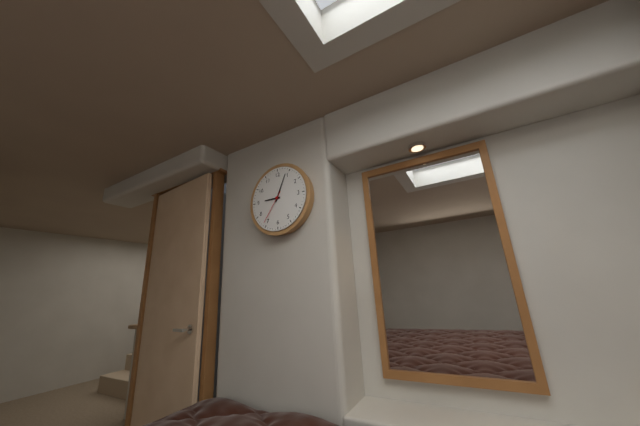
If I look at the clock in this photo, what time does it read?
9:04
